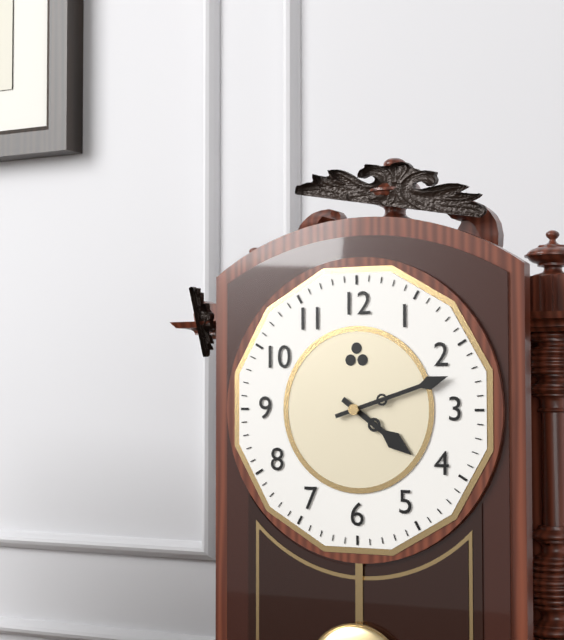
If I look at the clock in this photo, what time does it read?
4:12
